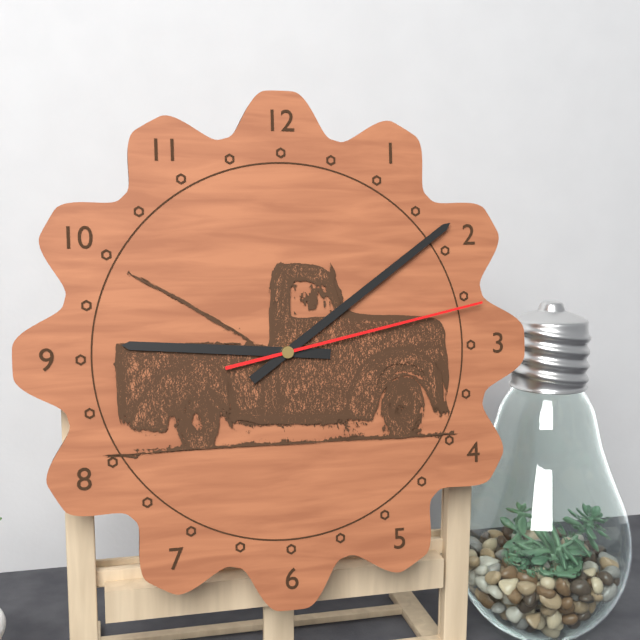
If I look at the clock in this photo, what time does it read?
9:09:13
